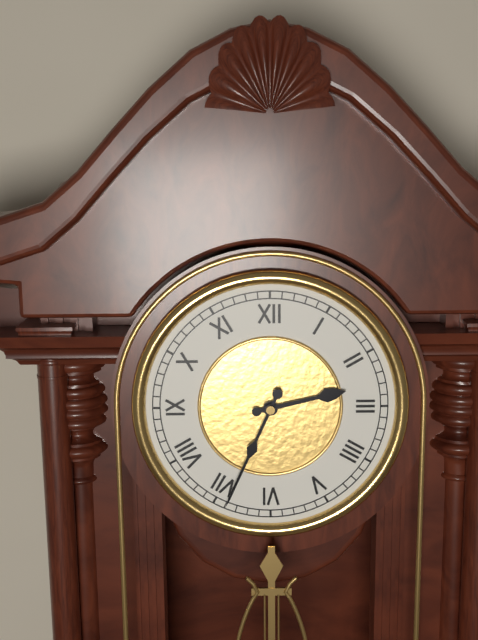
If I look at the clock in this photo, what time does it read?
2:34
